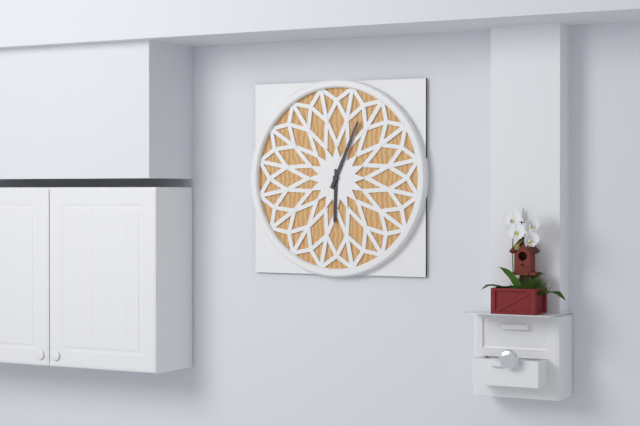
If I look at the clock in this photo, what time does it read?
6:04
